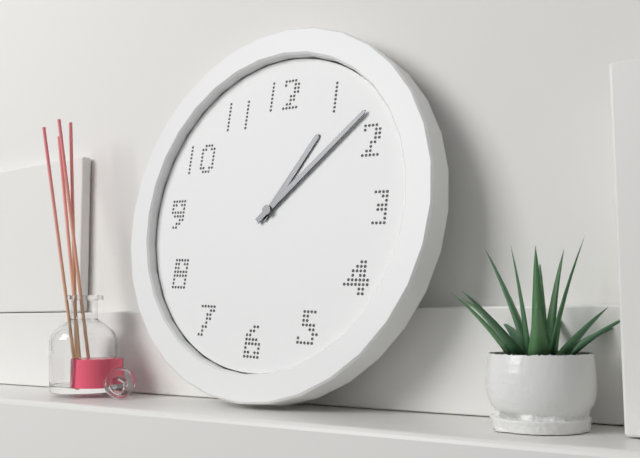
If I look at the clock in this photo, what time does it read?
1:08
